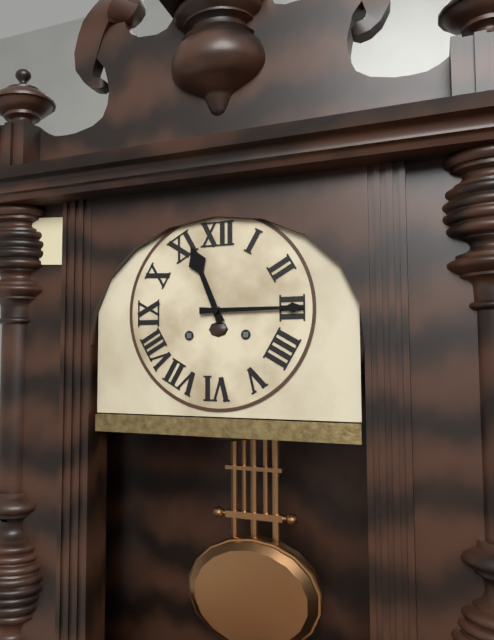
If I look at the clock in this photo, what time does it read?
11:15
